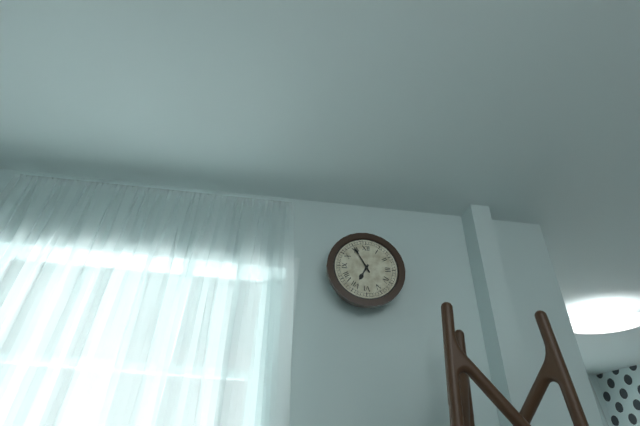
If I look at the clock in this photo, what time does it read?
6:55
